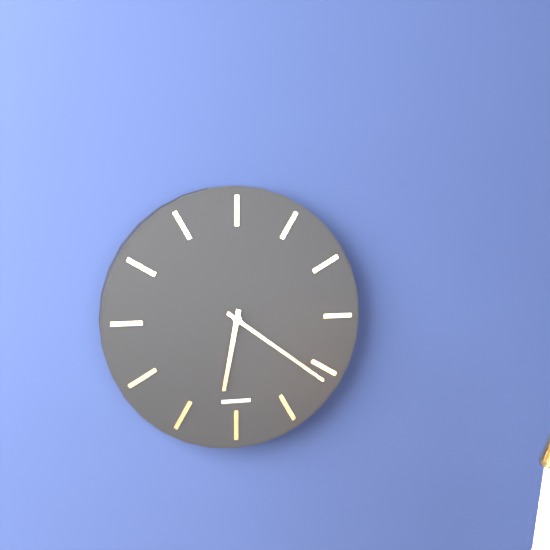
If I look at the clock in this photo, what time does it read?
6:21
